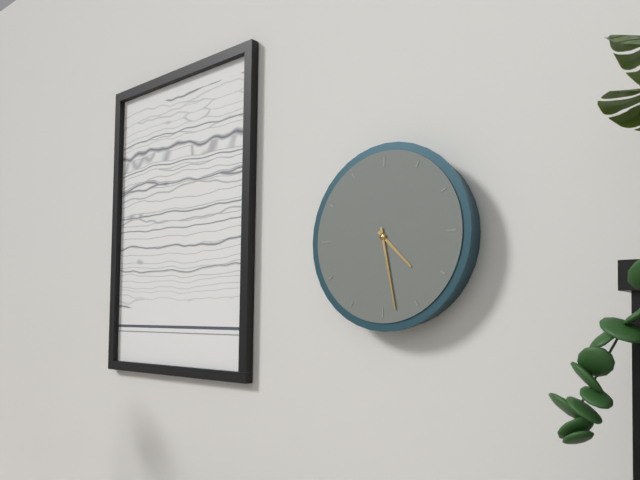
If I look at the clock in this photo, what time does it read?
4:28
